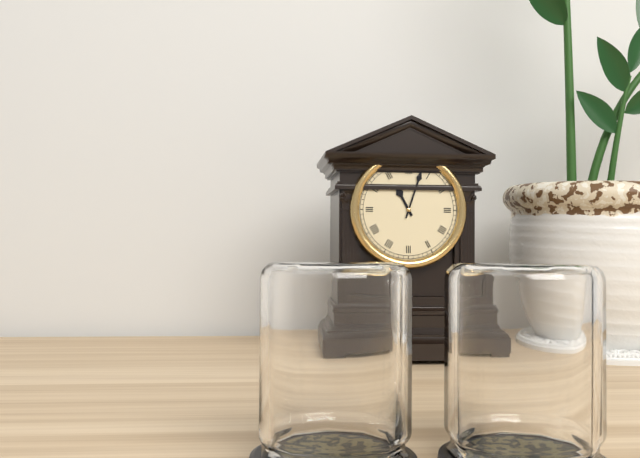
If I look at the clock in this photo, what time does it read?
11:03
